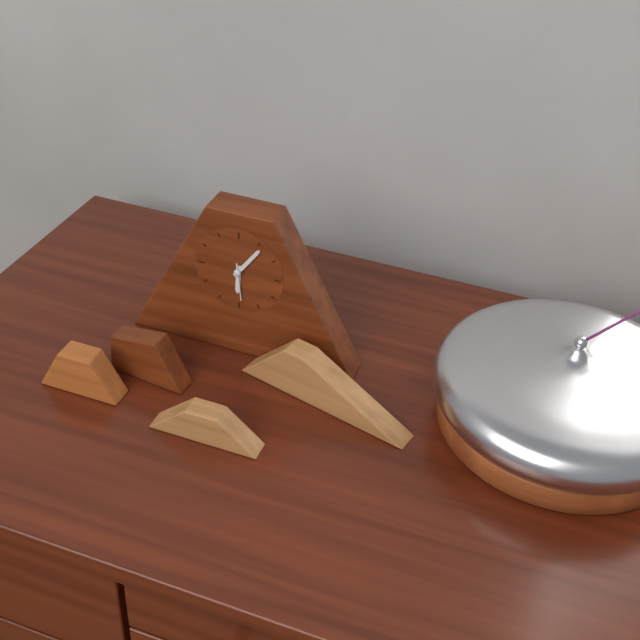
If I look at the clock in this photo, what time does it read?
6:06
